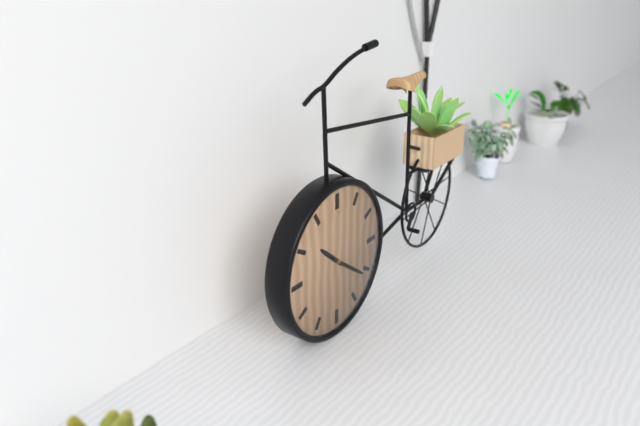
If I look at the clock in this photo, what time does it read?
10:21
